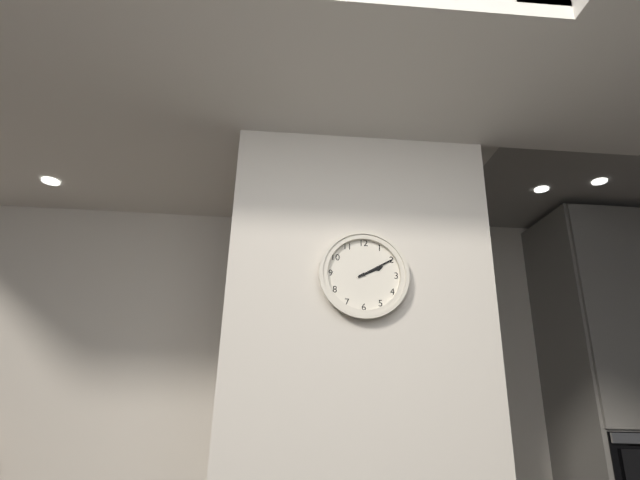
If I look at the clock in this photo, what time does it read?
2:10
